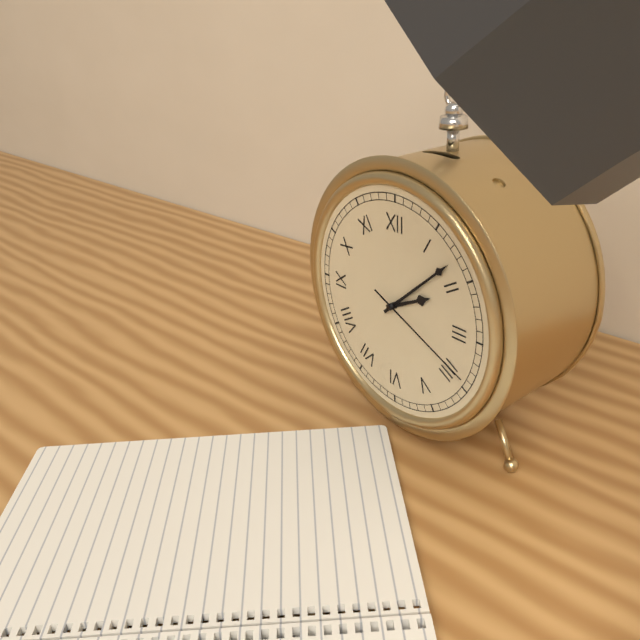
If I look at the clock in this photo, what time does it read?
2:08:19
